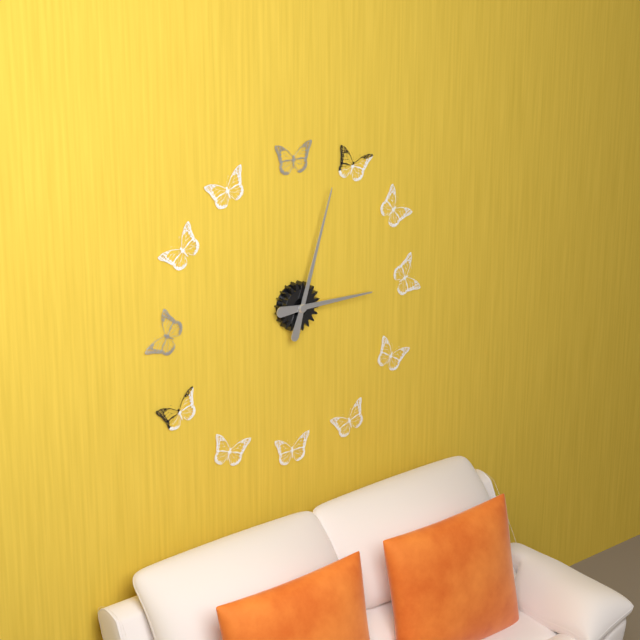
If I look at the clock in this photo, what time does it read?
3:03
